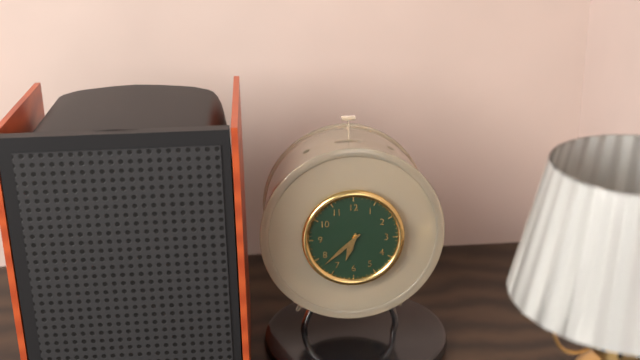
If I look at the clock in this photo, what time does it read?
6:38
